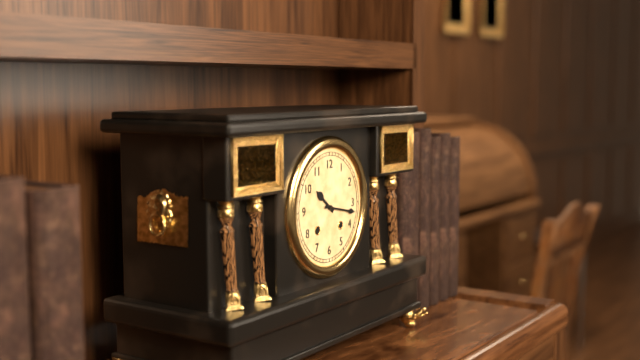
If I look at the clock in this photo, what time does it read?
10:17
